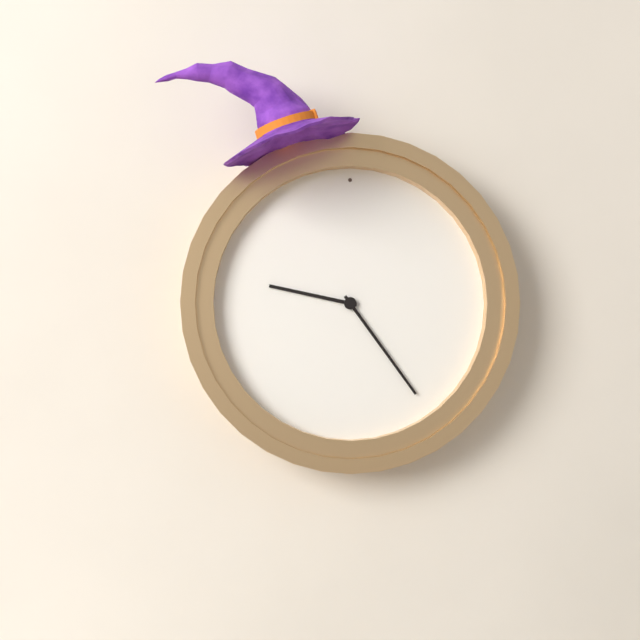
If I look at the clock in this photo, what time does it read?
9:24
